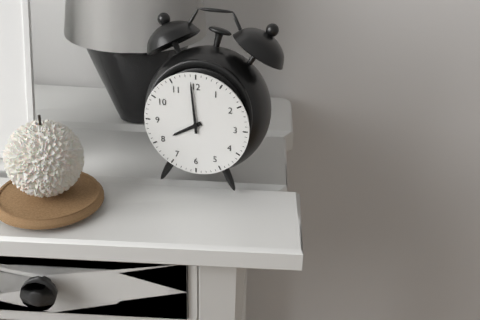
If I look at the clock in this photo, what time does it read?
7:59
